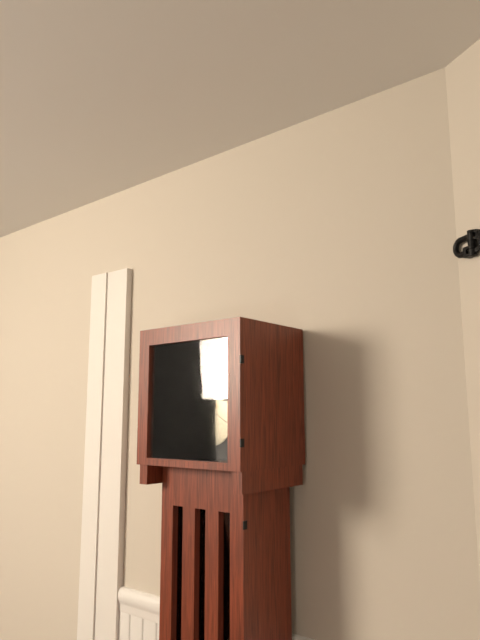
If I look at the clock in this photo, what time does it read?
4:02
